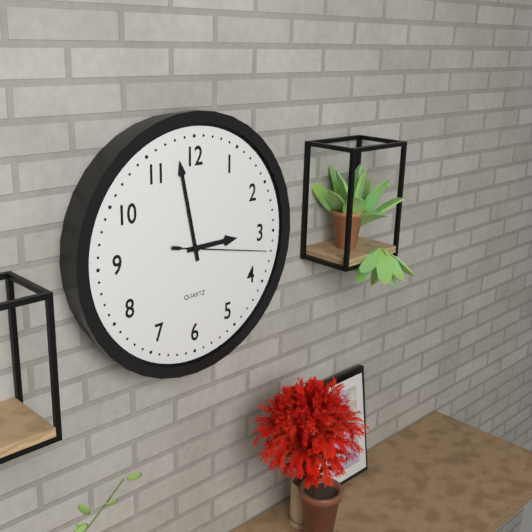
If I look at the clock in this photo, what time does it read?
2:58:17
